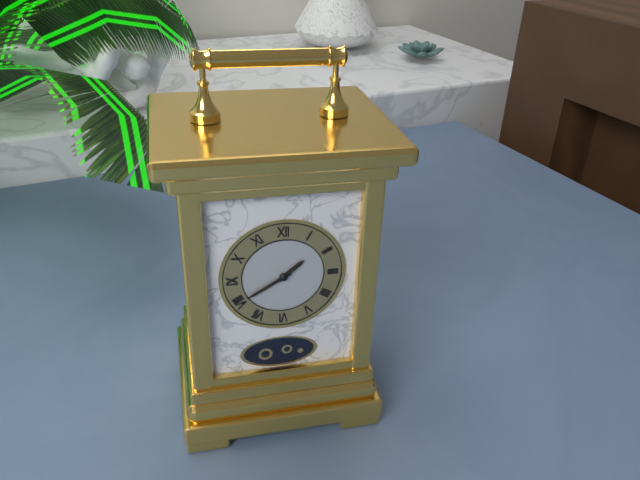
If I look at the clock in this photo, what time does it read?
1:40
